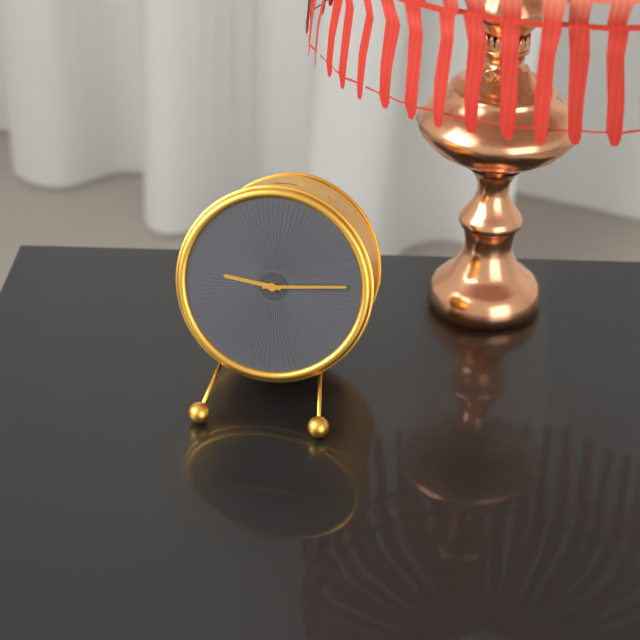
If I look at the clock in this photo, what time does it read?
9:14
